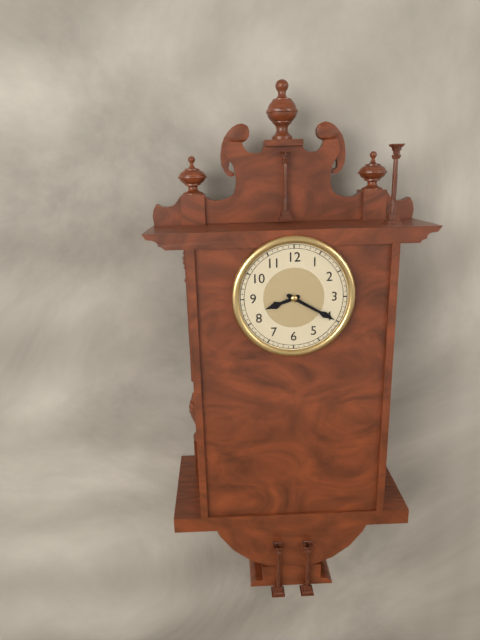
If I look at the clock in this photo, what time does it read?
8:20
